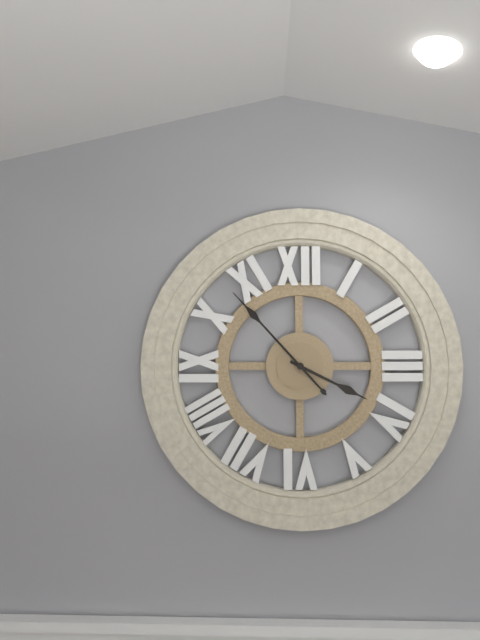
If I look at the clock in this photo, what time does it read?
3:53
